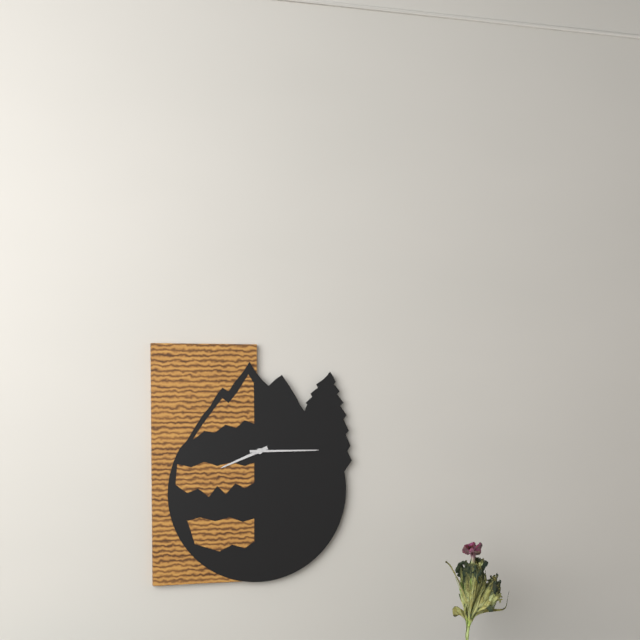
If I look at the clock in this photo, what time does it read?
8:15
